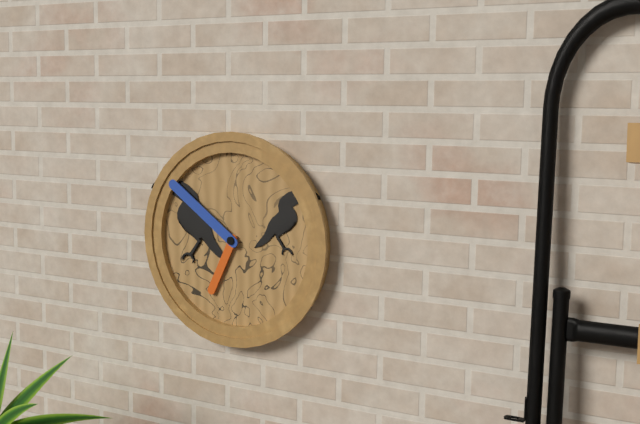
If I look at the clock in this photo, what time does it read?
6:51
